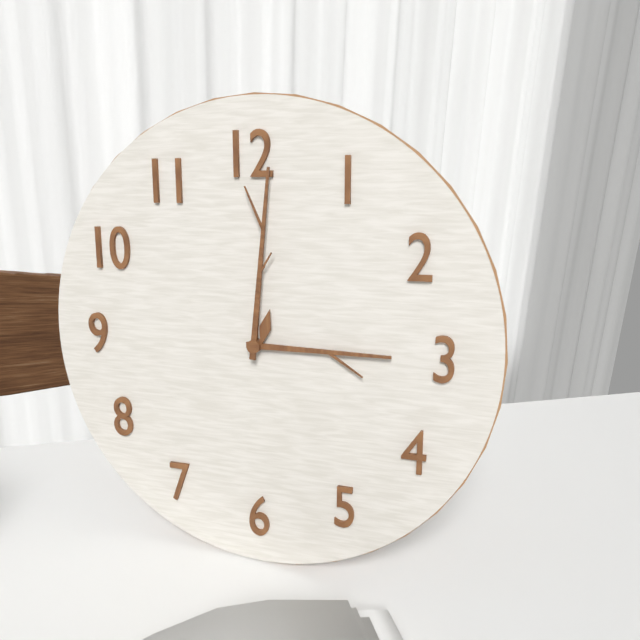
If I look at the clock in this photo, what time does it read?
3:01
